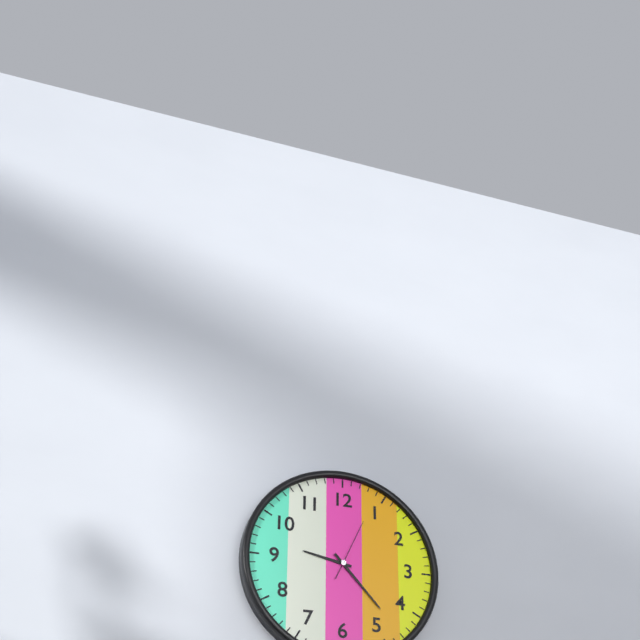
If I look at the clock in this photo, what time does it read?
9:23:04
